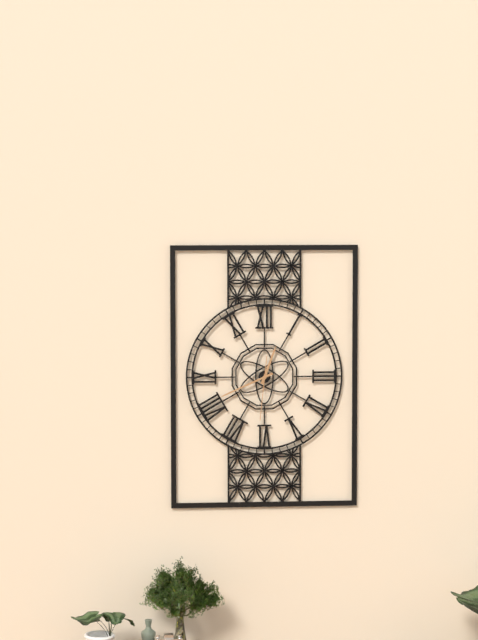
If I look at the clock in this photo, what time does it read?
12:41:31
